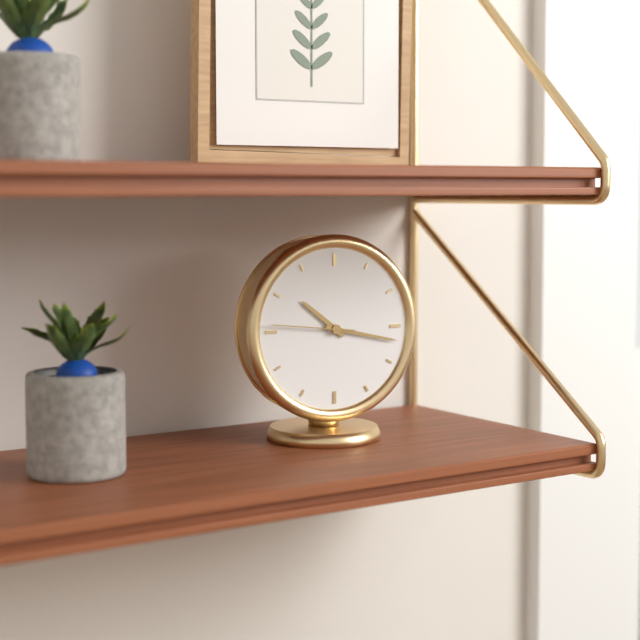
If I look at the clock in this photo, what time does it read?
10:17:46
